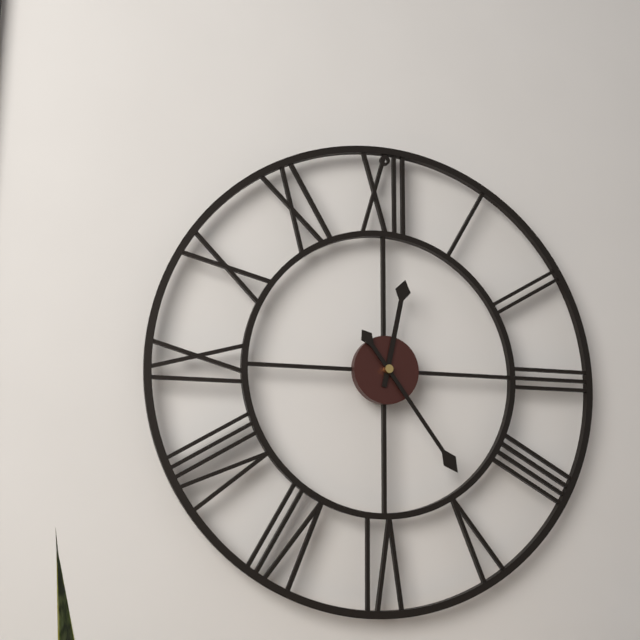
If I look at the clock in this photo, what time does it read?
12:24
